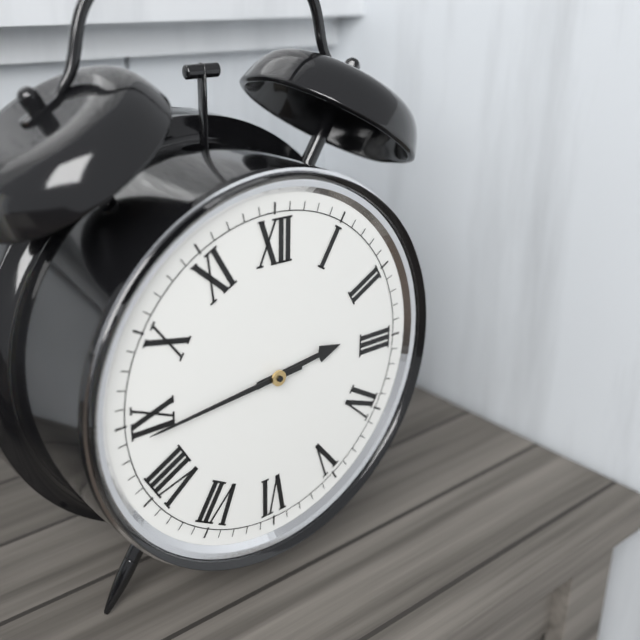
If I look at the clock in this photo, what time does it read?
2:44
